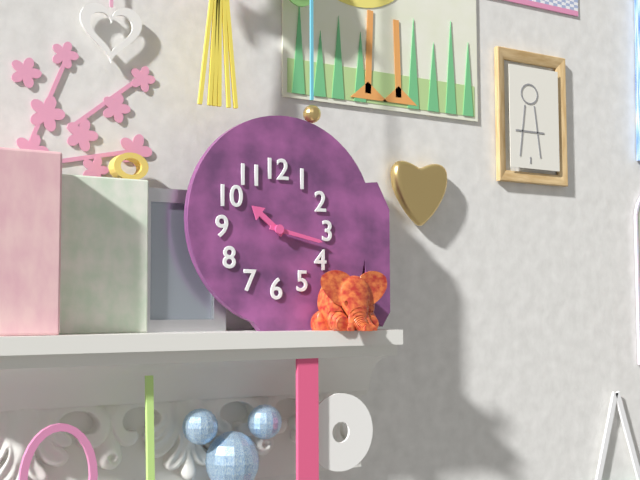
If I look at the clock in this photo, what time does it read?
10:17
